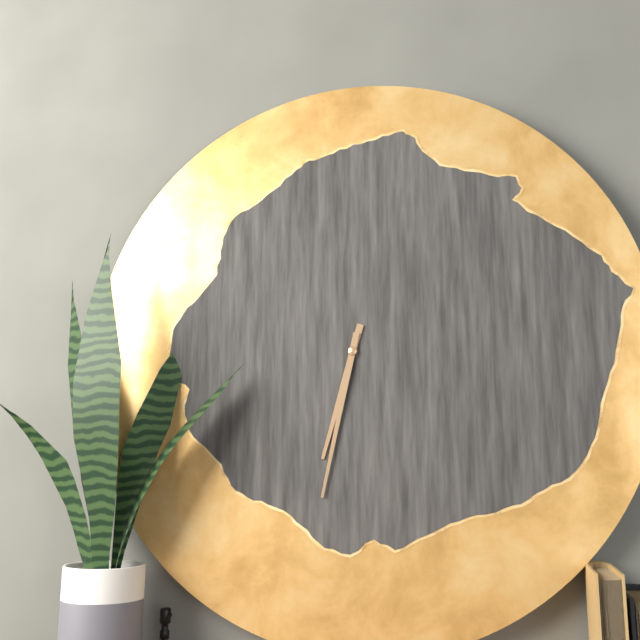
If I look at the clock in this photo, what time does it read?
6:32
